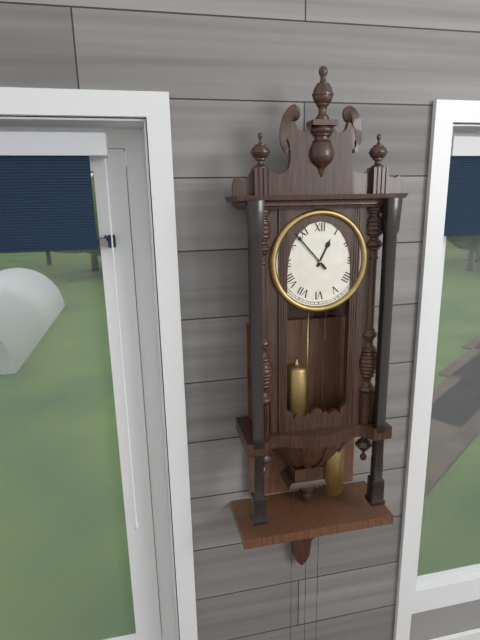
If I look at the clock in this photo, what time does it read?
12:53
